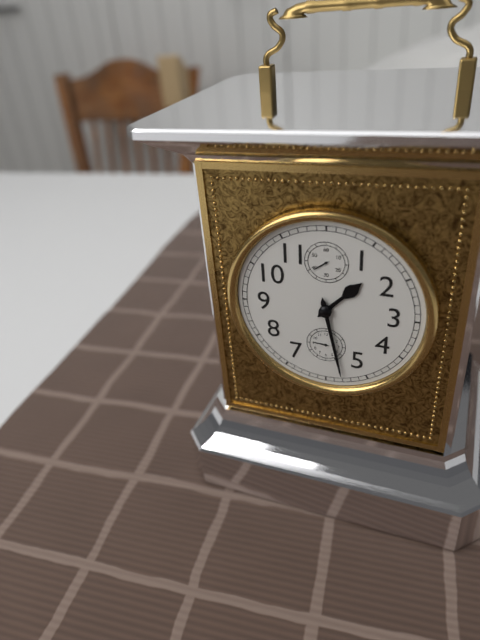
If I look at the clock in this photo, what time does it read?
1:28
